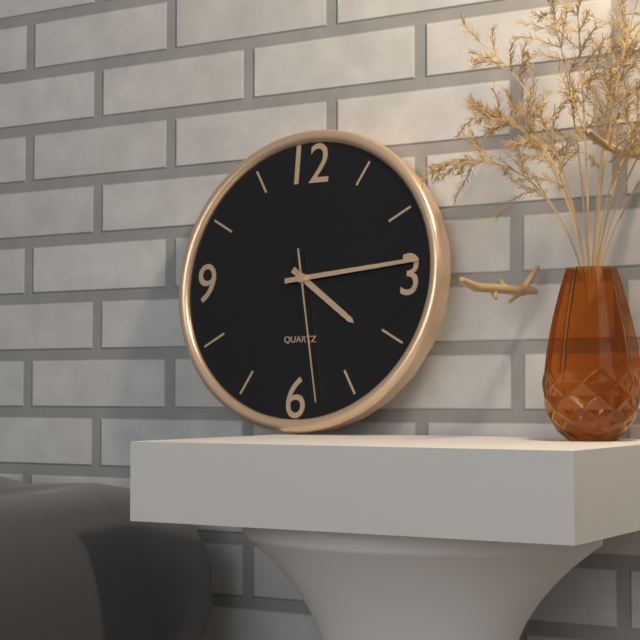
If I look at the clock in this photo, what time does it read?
4:14:28
